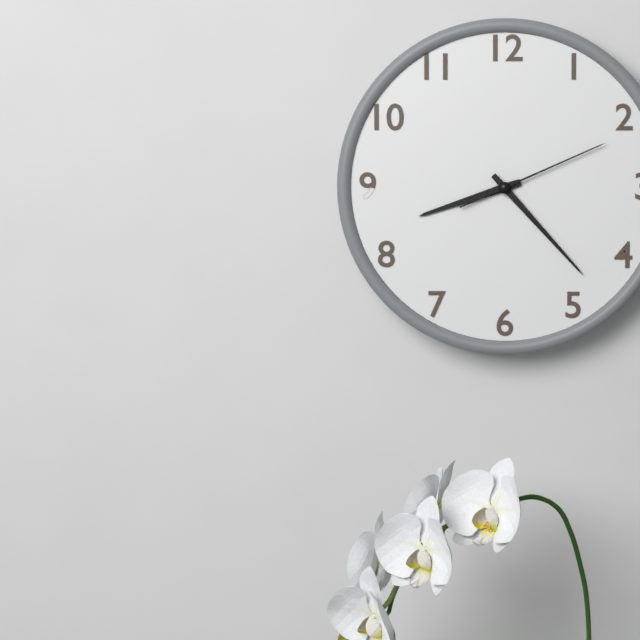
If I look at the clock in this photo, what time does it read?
8:23:11
